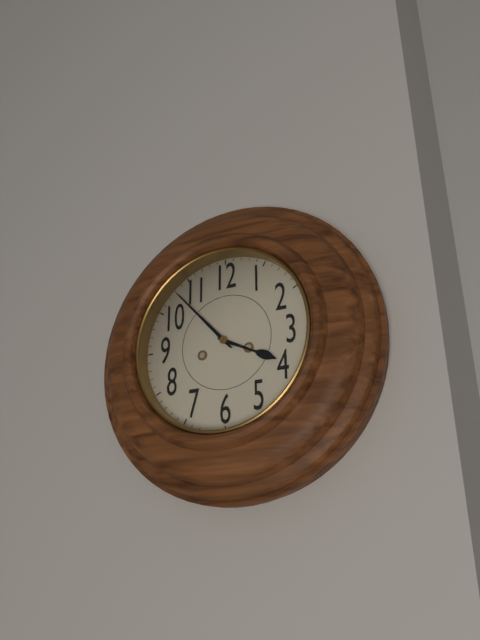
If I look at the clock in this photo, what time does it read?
3:53
